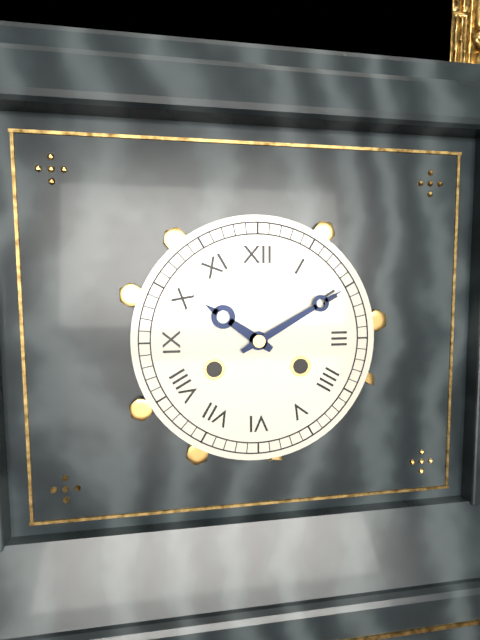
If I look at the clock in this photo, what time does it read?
10:10
